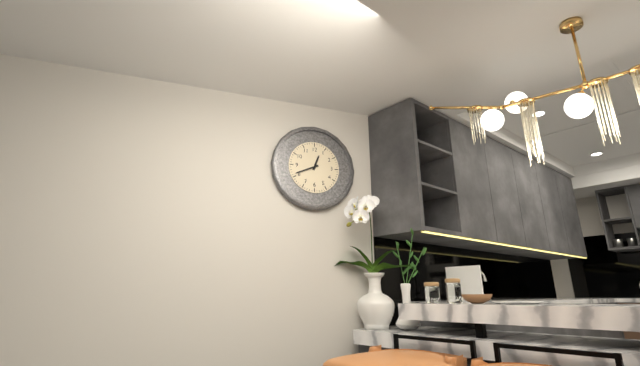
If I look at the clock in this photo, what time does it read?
12:41
